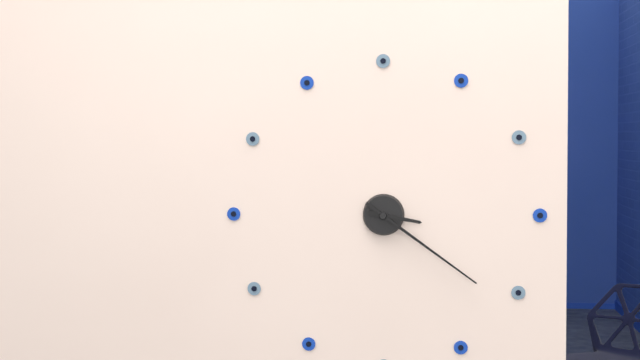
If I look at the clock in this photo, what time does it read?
3:21
